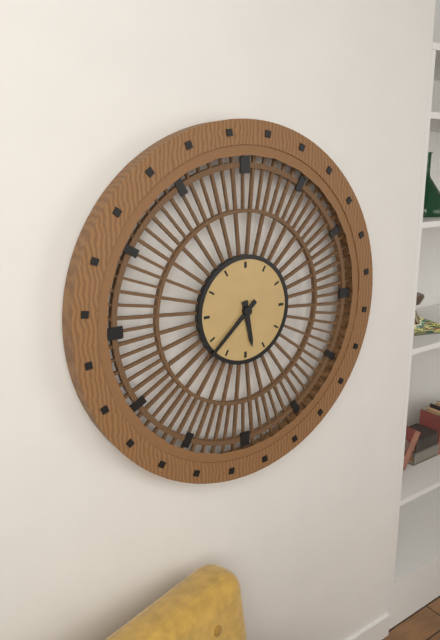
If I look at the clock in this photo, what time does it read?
5:38
